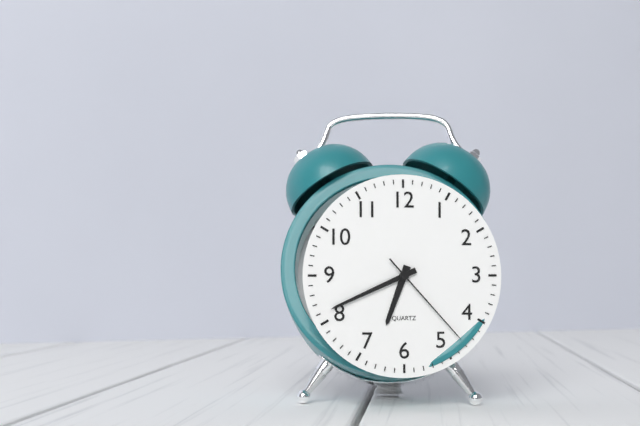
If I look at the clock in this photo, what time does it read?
6:41:23
